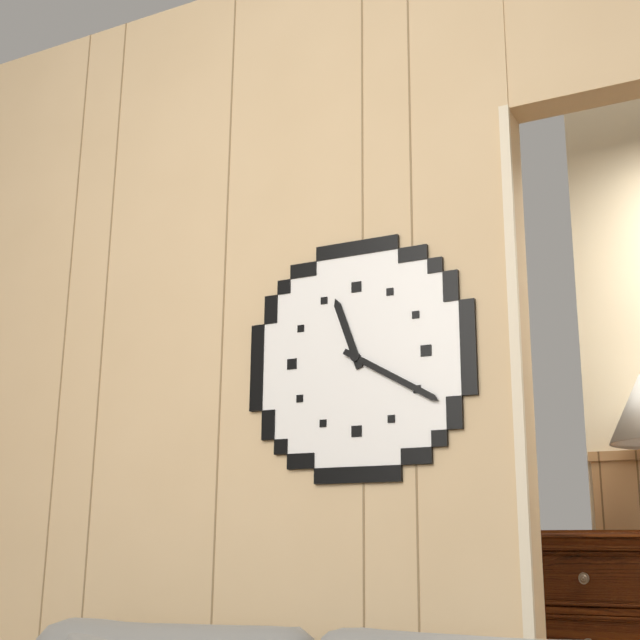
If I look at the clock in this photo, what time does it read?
11:20
